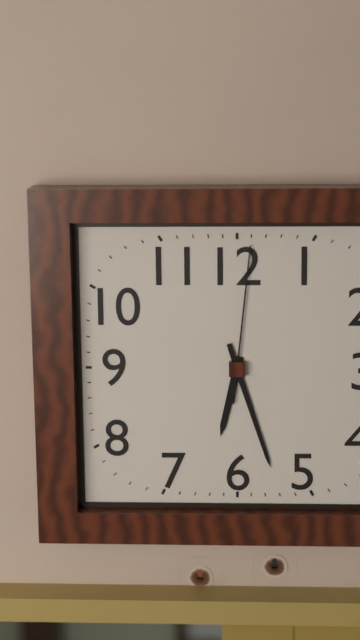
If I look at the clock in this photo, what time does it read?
6:27:01
